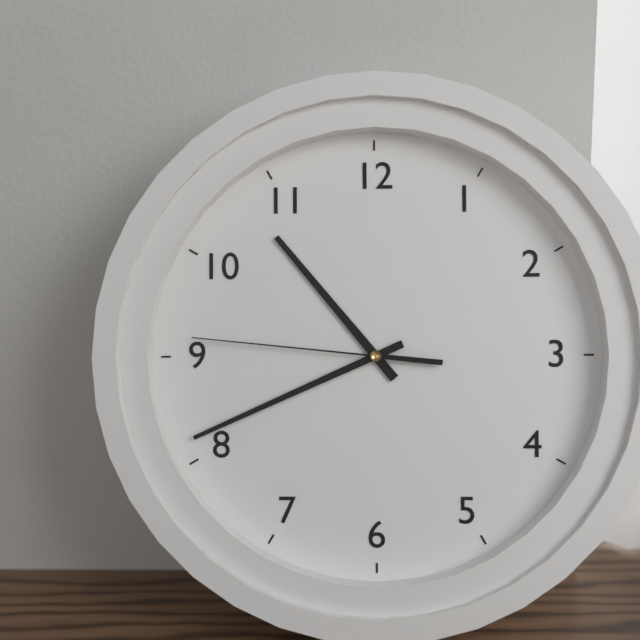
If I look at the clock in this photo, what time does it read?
10:41:46
